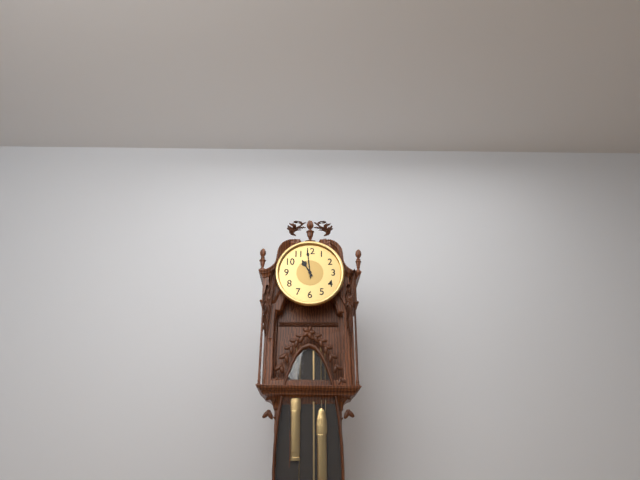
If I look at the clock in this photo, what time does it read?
10:59
